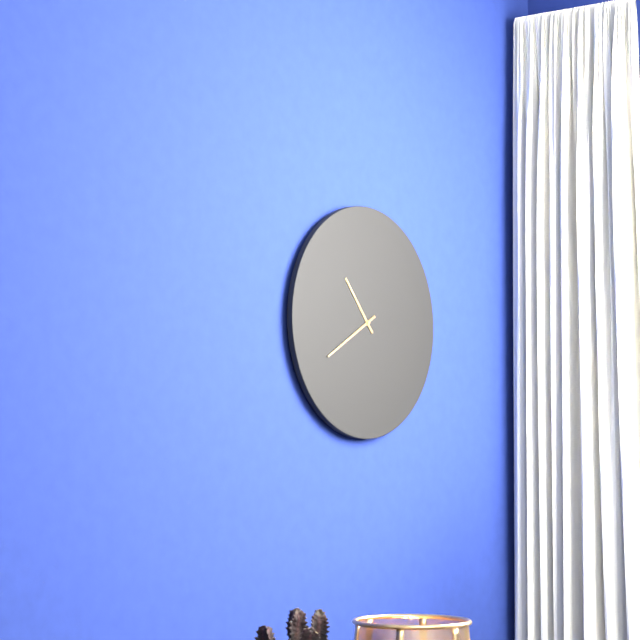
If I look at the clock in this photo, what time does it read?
10:40
